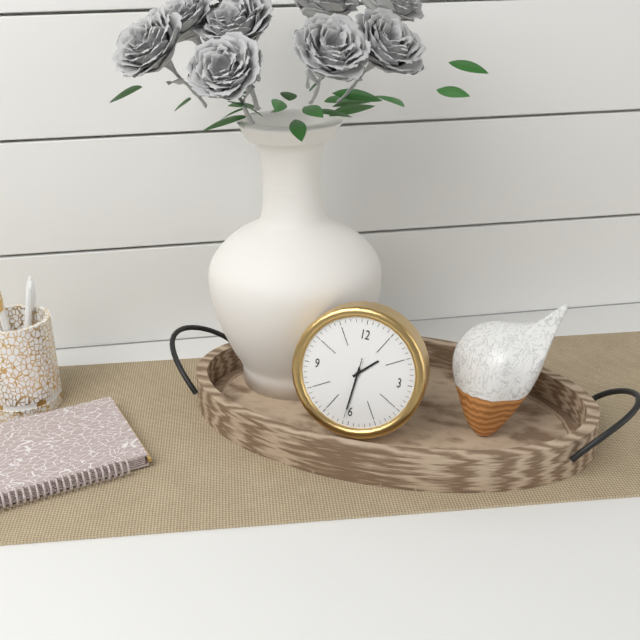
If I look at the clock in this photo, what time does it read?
1:31:31
